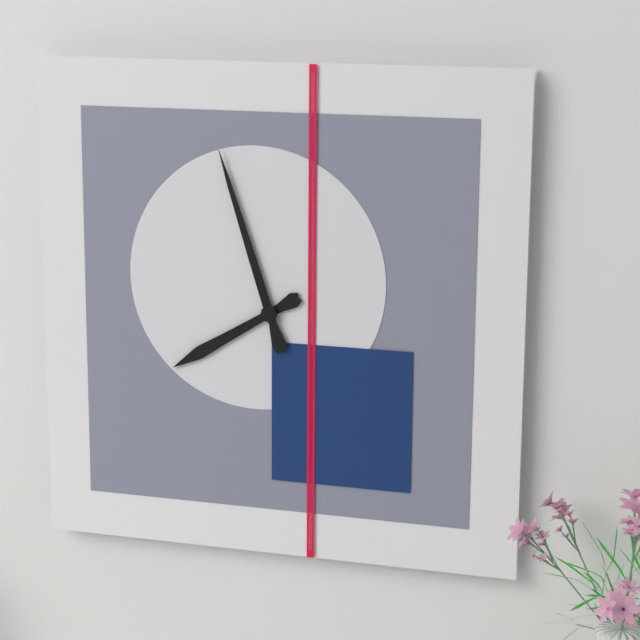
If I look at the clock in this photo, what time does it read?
7:57
